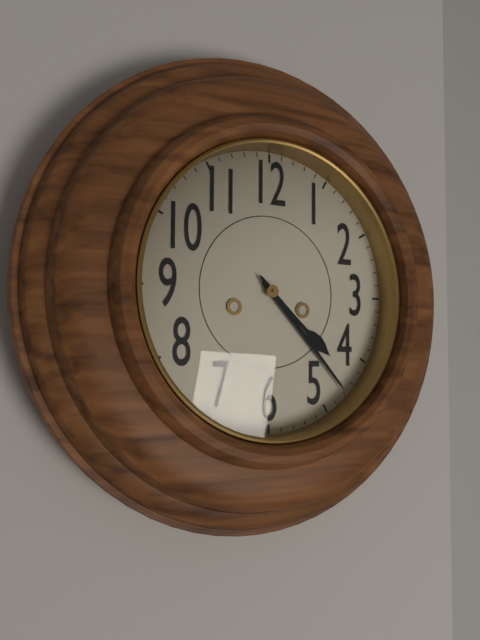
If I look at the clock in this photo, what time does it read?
4:23
